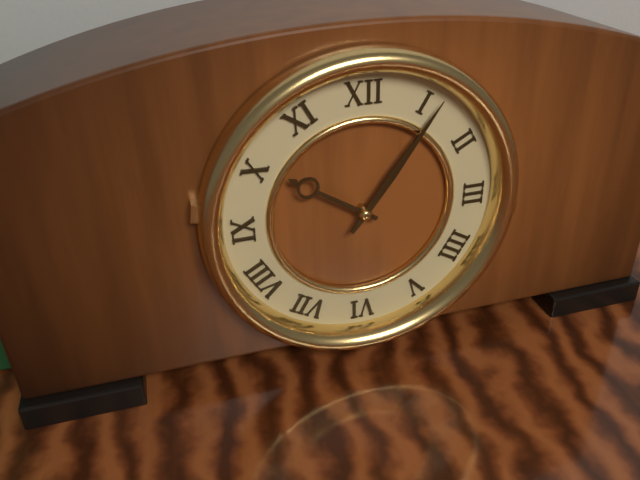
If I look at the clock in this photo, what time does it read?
10:06
